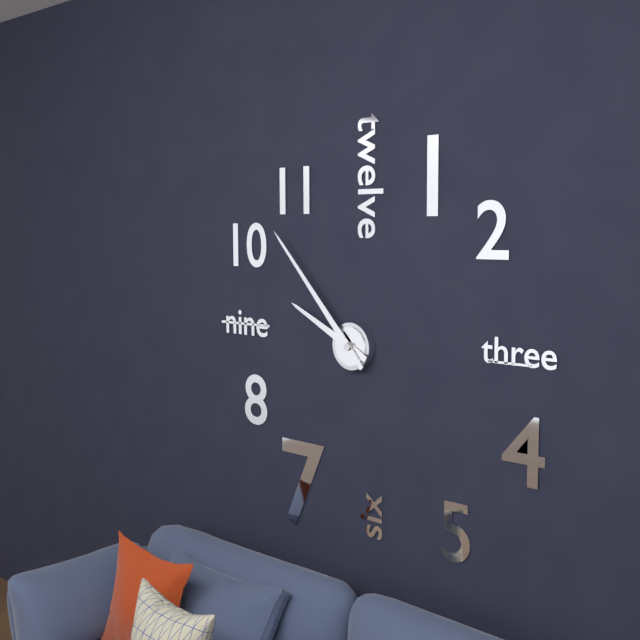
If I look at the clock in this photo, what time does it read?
9:53
